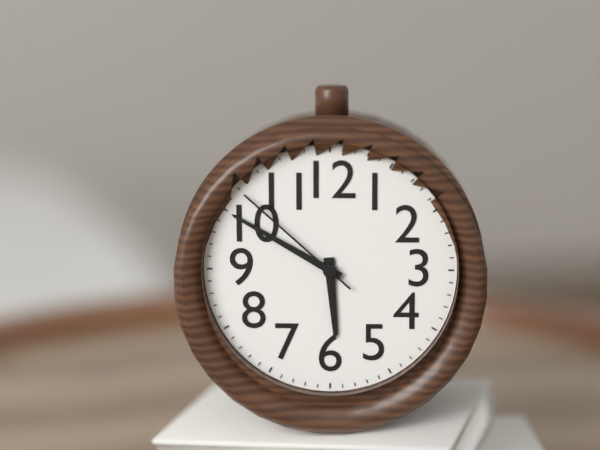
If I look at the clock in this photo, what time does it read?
5:50:52
